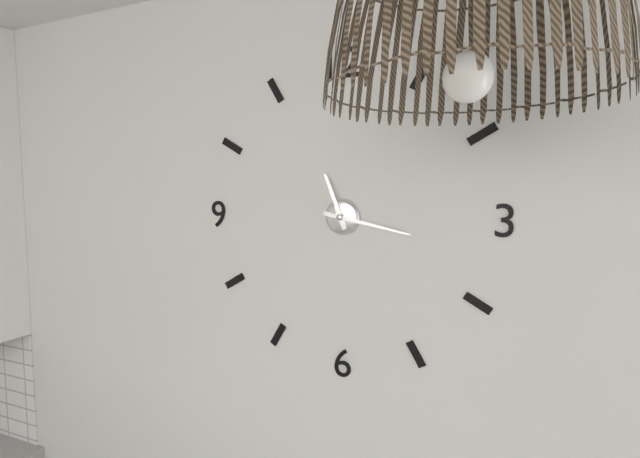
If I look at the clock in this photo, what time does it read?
11:17
